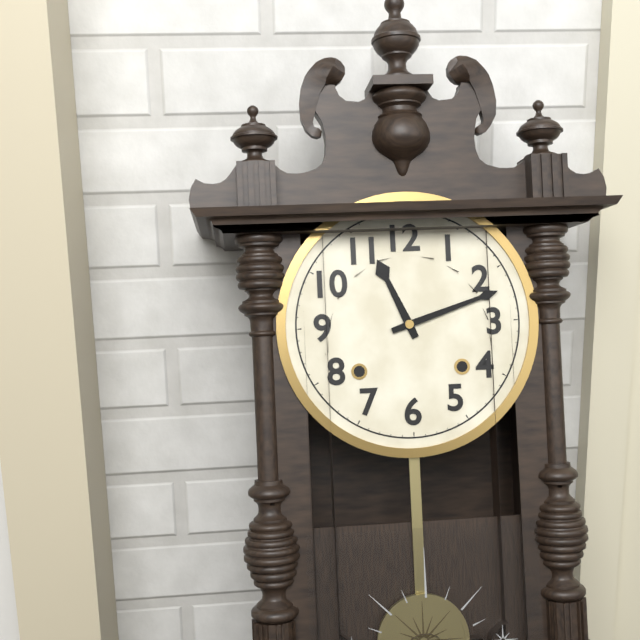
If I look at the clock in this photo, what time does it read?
11:12
